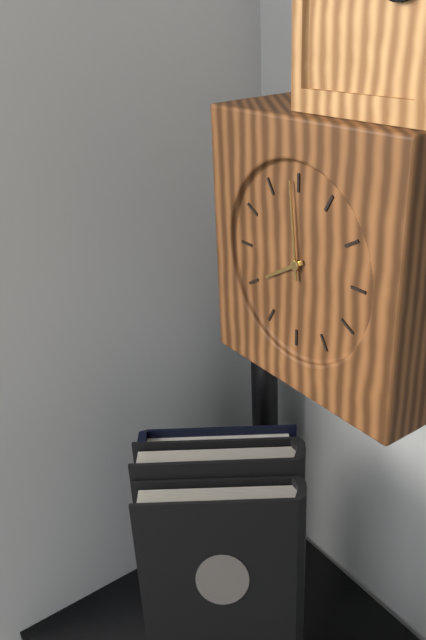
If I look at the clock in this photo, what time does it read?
7:59
